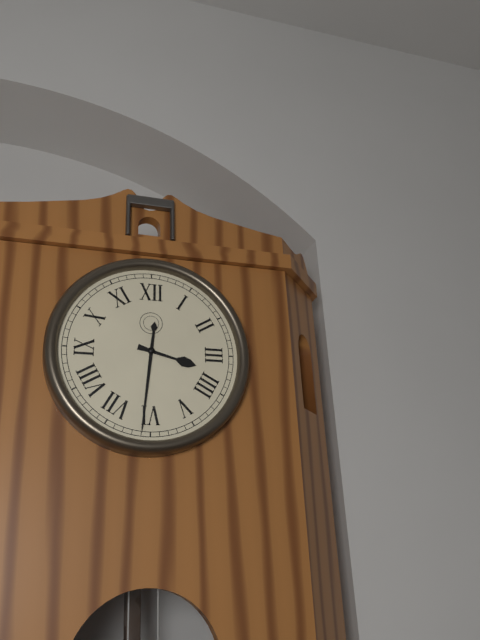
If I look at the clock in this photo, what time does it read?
3:31
